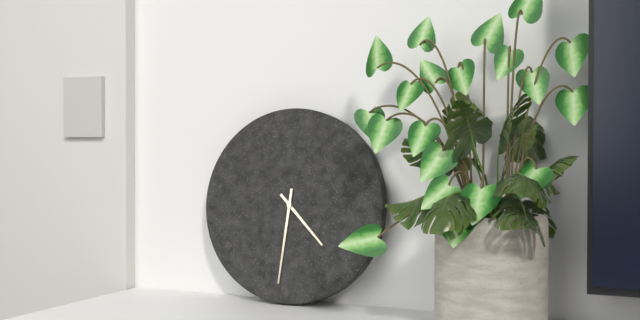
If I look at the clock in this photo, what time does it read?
4:31
